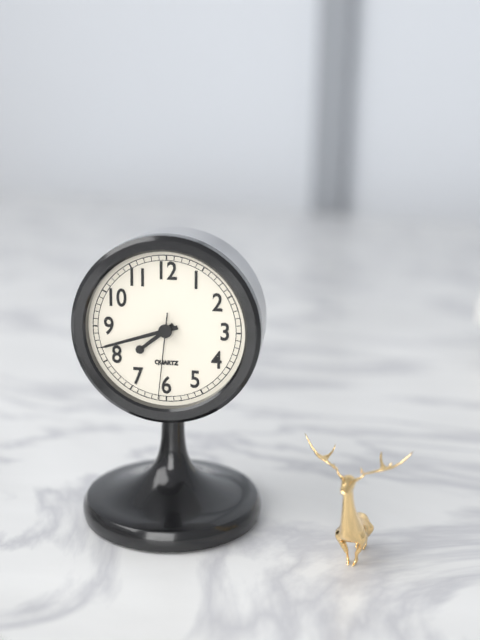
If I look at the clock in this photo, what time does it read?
7:42:31
